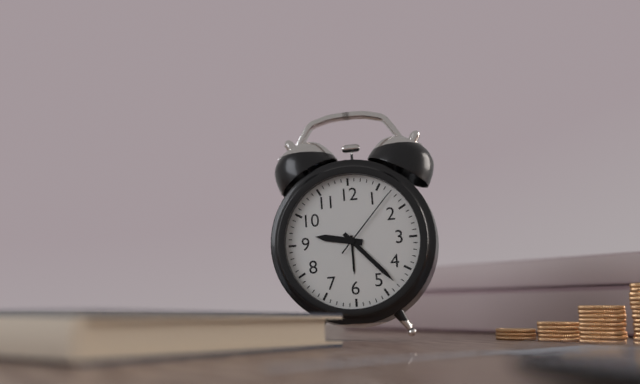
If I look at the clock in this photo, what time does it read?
9:23:07
